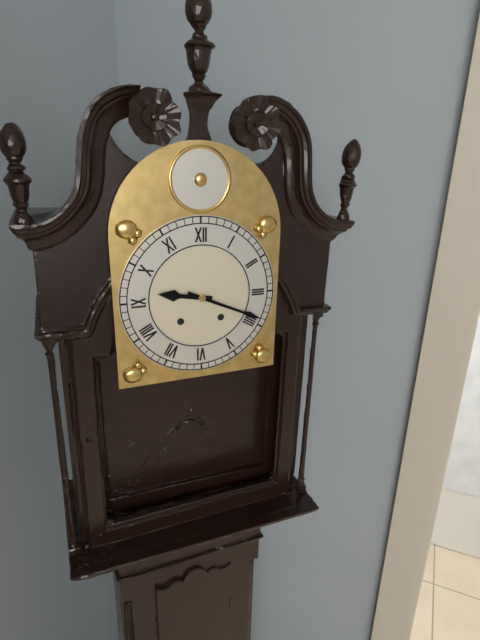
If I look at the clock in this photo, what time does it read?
9:19
